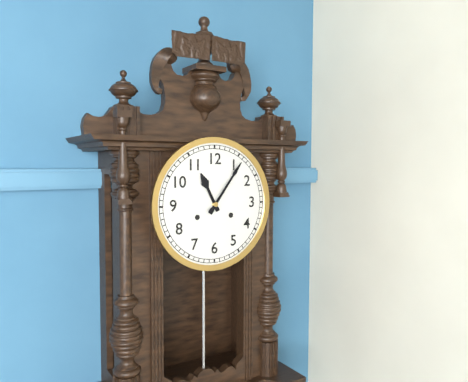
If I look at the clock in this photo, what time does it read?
11:06
